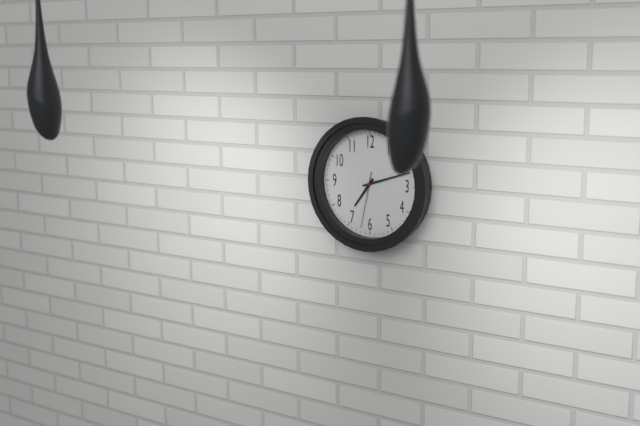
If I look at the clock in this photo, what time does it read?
7:12:32
